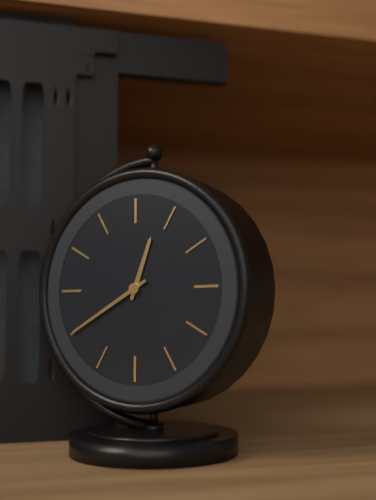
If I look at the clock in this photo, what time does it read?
12:40
